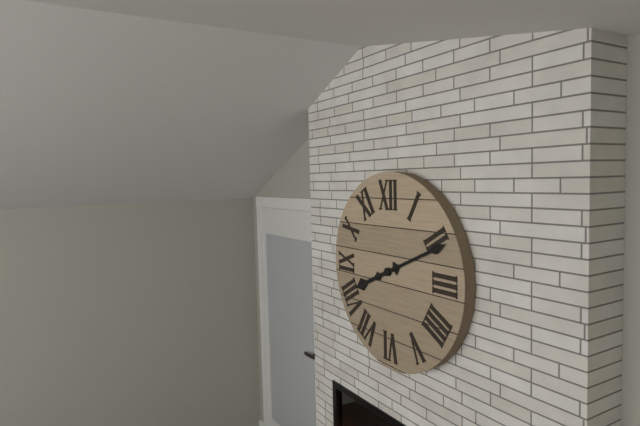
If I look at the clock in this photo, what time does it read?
8:11
